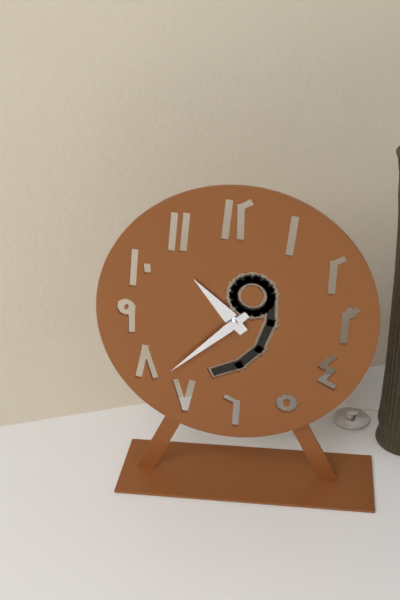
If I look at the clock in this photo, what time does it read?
10:38
